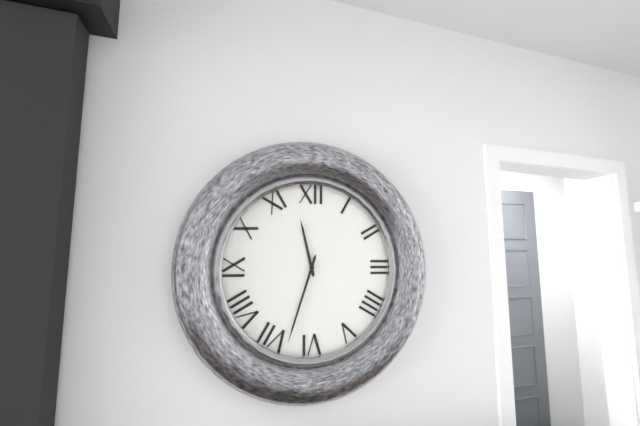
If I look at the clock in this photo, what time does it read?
11:33
